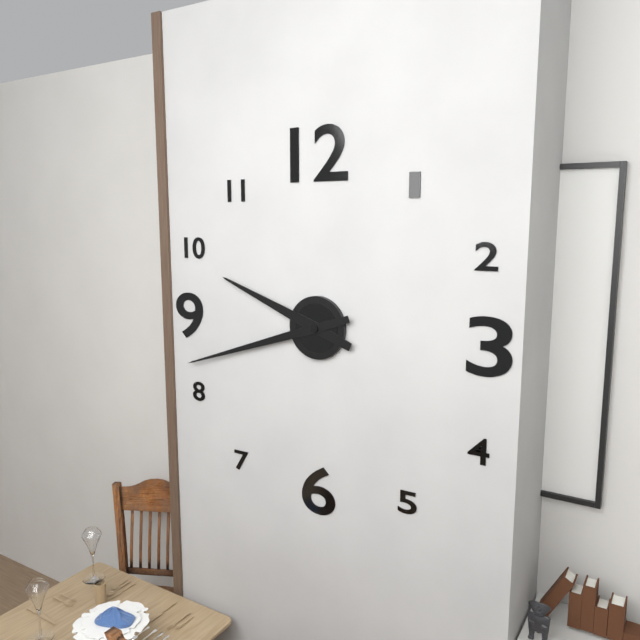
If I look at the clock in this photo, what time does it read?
9:42
